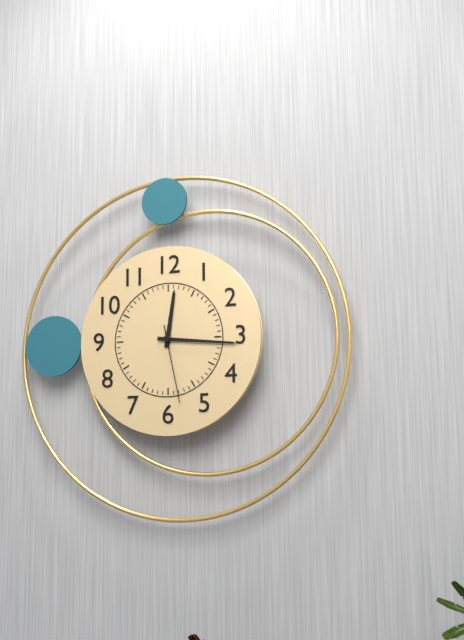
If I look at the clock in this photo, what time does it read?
12:16:28
